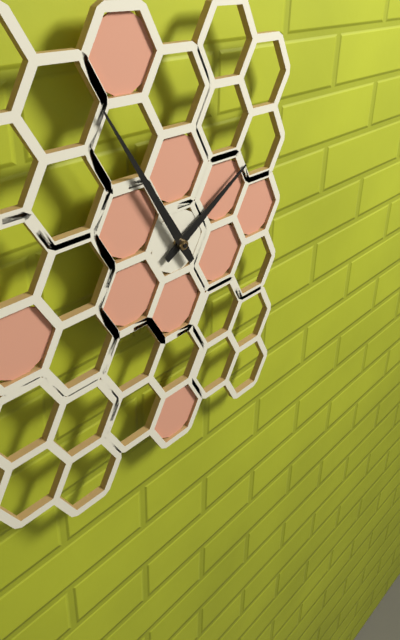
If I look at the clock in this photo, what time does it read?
1:55
